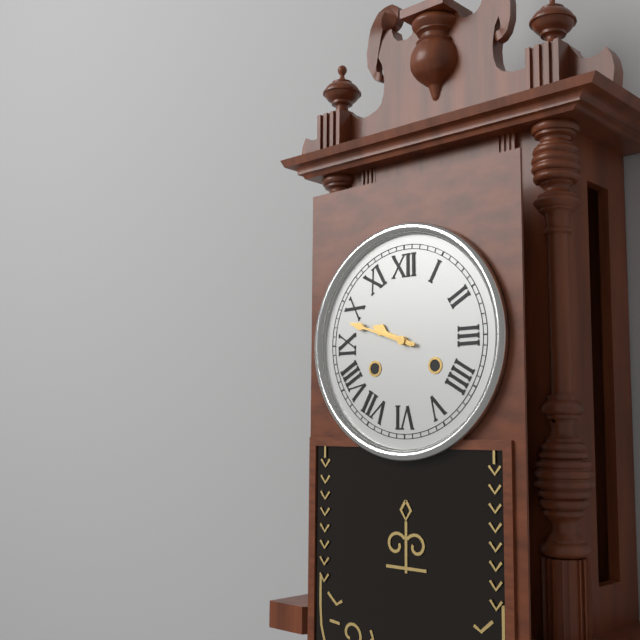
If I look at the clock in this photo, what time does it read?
9:48
